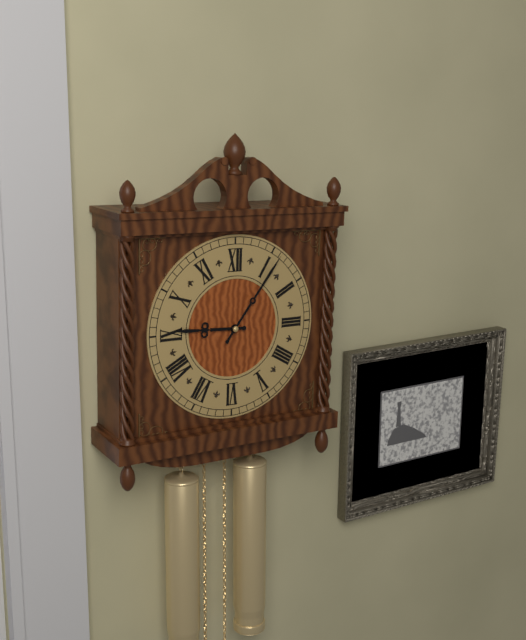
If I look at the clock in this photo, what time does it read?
9:06
